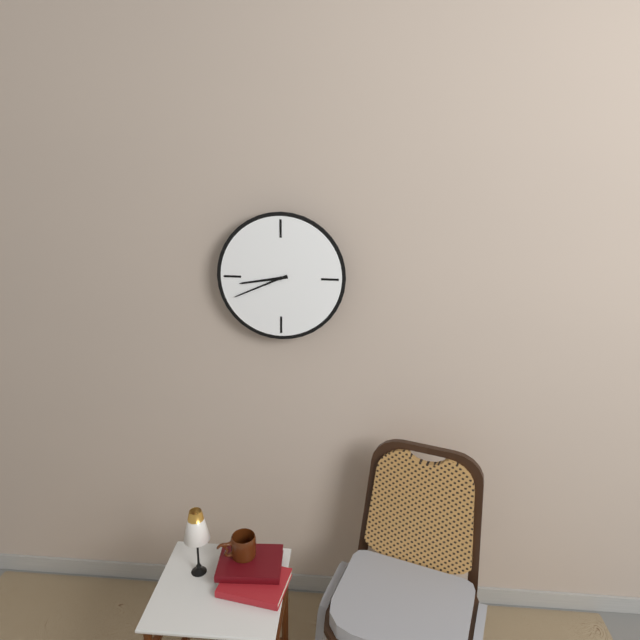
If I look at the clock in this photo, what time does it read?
8:41
